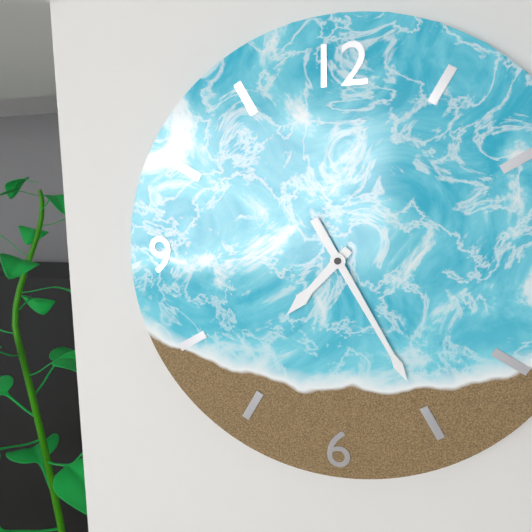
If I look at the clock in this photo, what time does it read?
7:25
